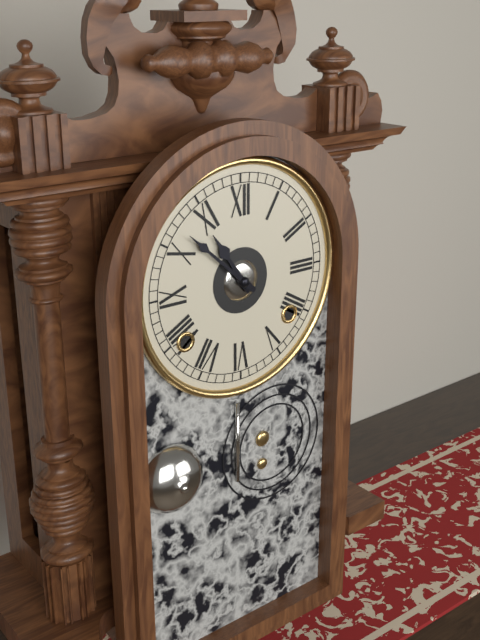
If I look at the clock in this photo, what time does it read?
10:52
